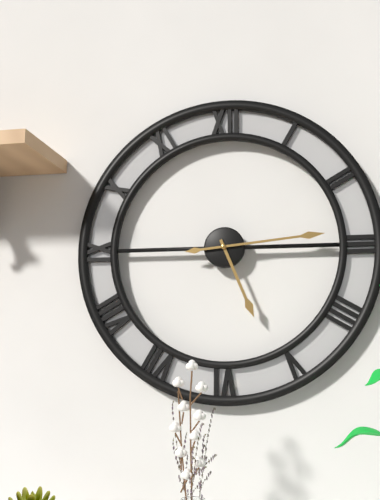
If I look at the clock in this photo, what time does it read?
5:14
